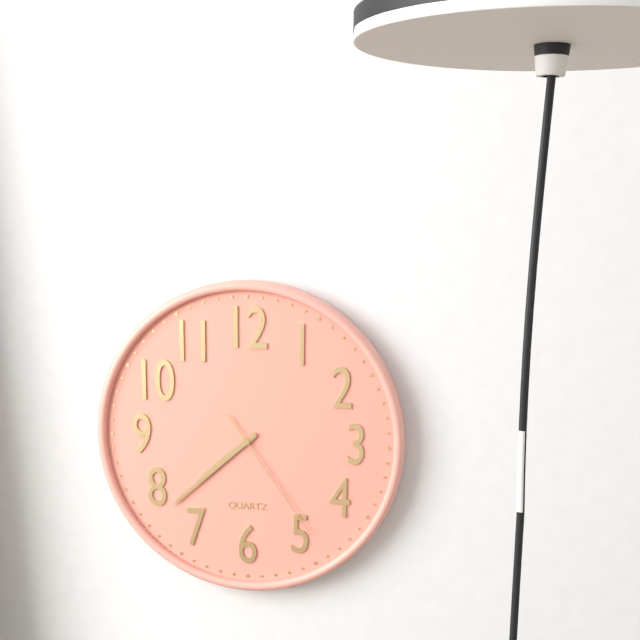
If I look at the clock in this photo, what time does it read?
7:38:24
